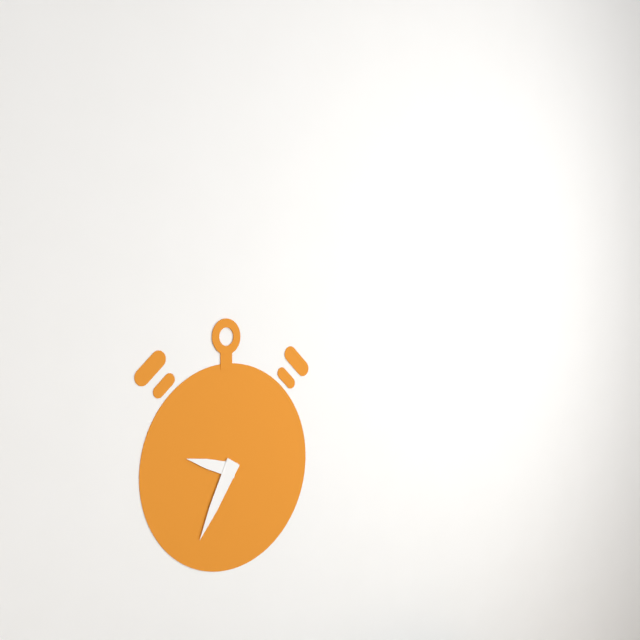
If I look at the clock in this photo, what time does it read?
9:35
